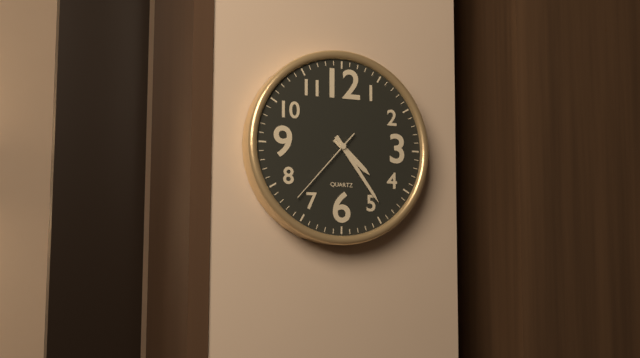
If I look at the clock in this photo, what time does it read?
4:24:37
